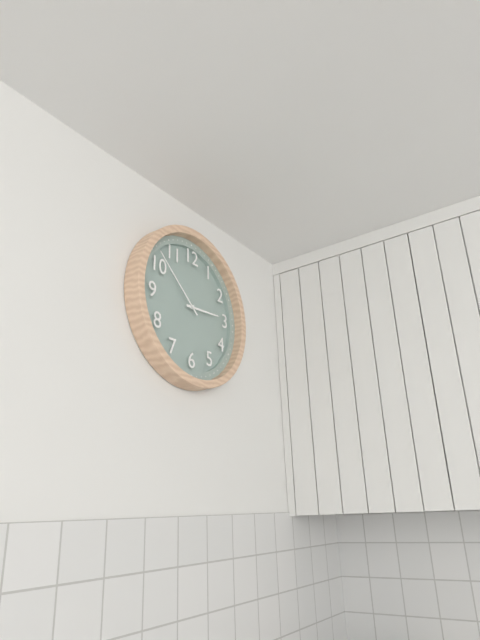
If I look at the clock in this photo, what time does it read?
2:52
